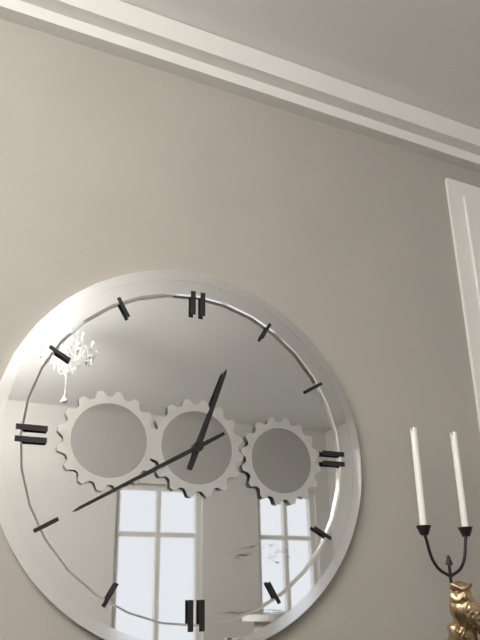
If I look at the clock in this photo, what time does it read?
12:40
